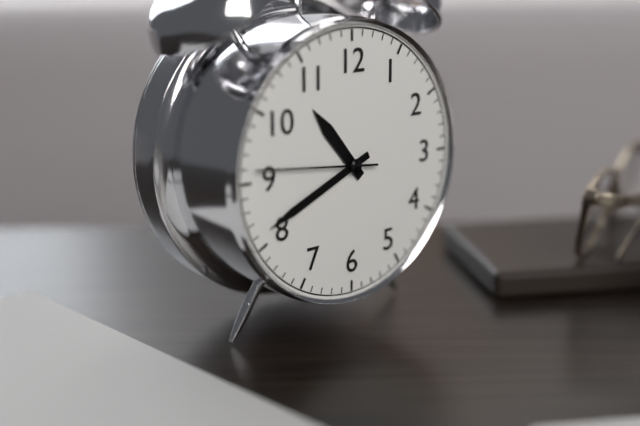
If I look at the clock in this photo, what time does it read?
10:41:46
